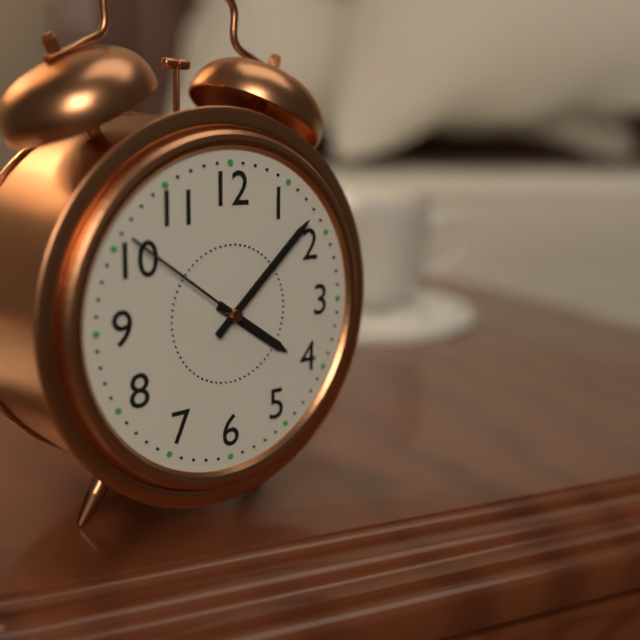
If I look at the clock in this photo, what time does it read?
4:08:51
